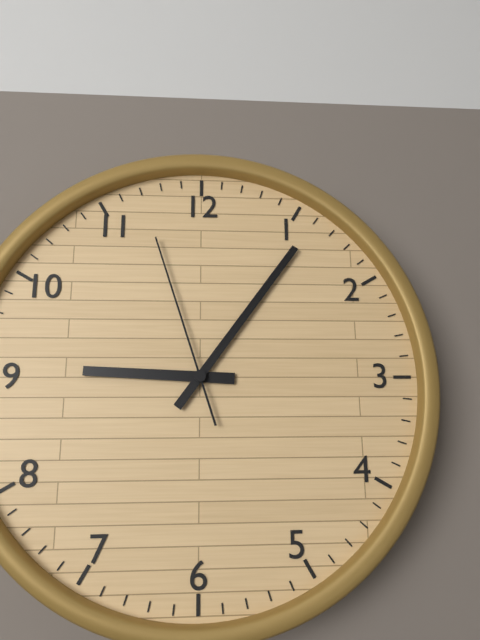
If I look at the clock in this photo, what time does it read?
9:06:57
